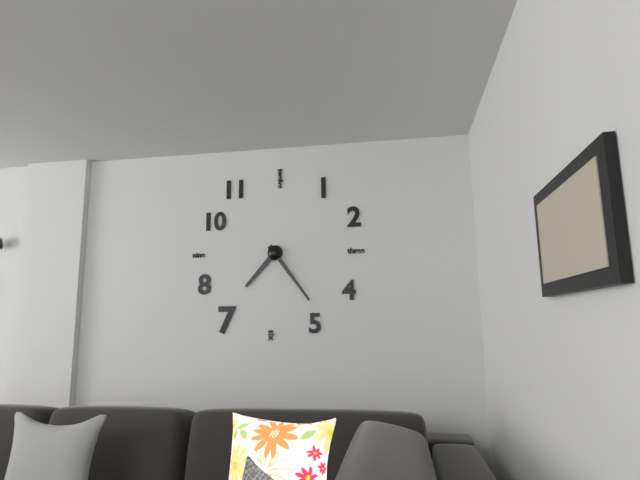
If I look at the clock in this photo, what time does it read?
7:24
